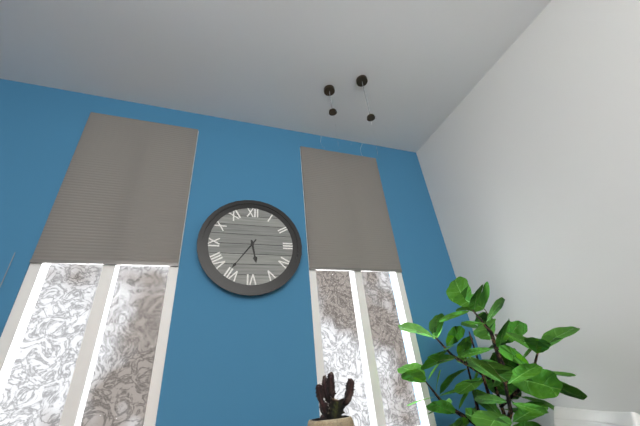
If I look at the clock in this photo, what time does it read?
5:36
